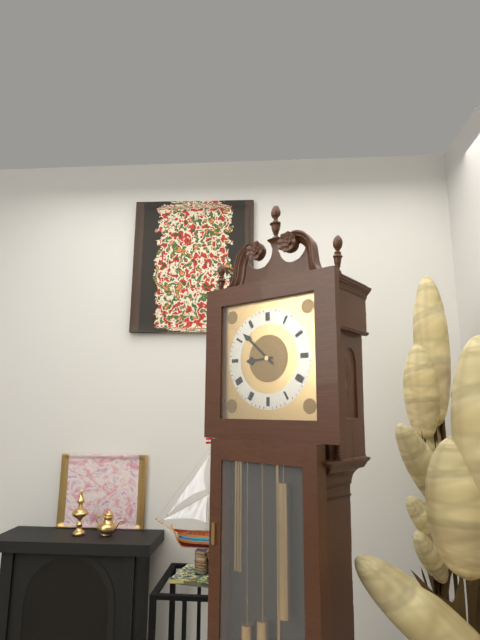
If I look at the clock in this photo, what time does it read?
8:52
